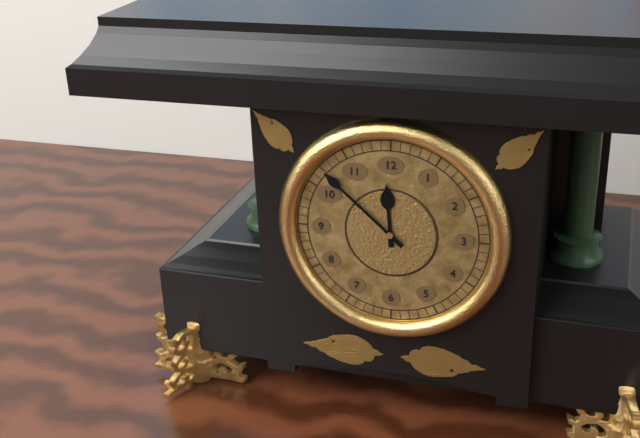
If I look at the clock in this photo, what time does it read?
11:52
